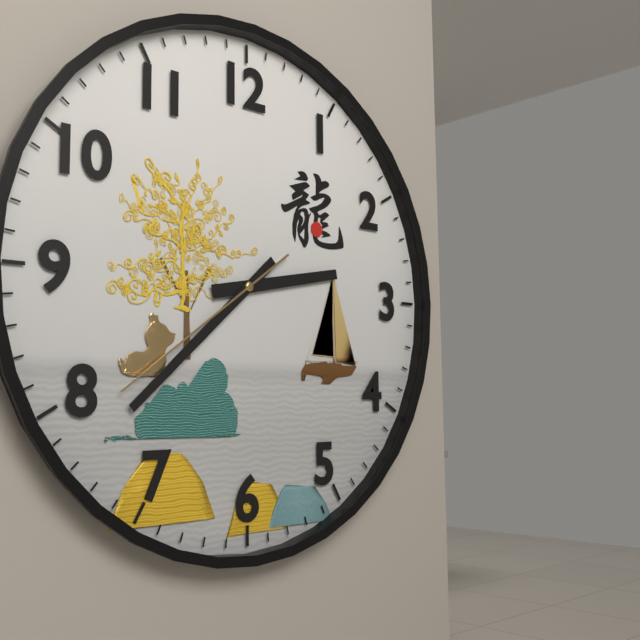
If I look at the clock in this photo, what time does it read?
2:38:39
